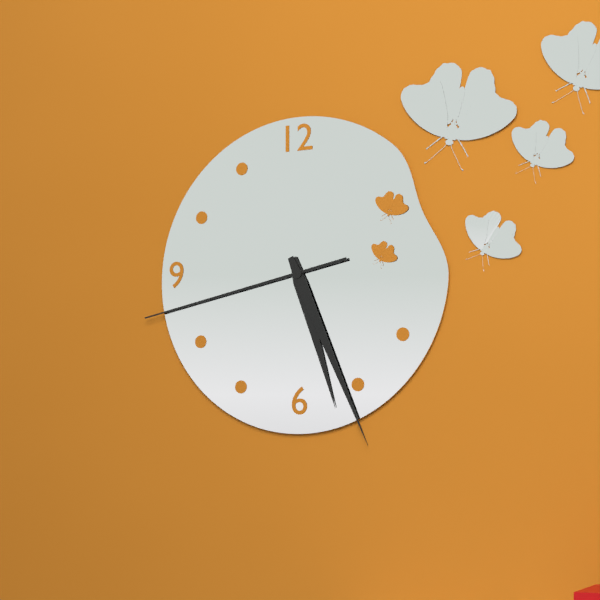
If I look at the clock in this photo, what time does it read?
5:26:43
